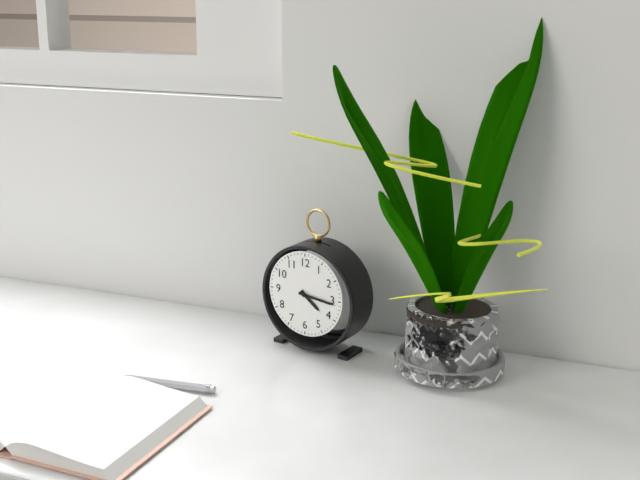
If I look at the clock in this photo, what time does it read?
4:16
